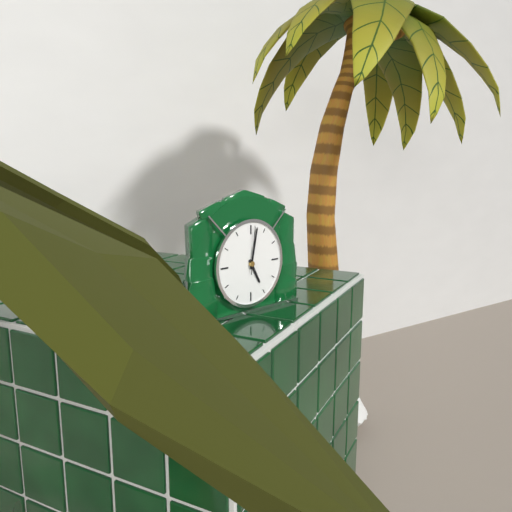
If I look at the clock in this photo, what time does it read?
5:02
